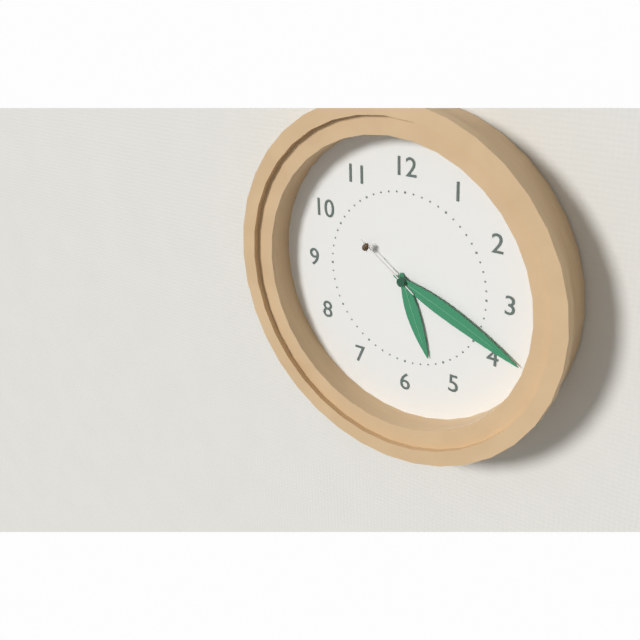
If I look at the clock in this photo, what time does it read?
5:19:51
